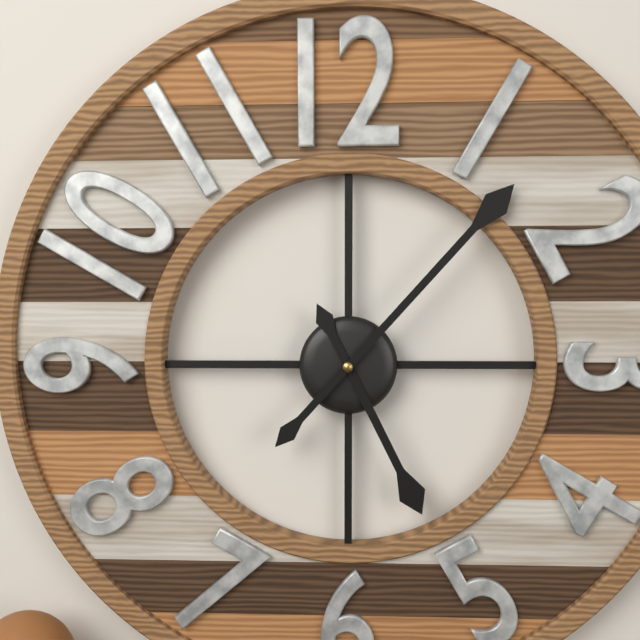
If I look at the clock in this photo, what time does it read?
5:07
